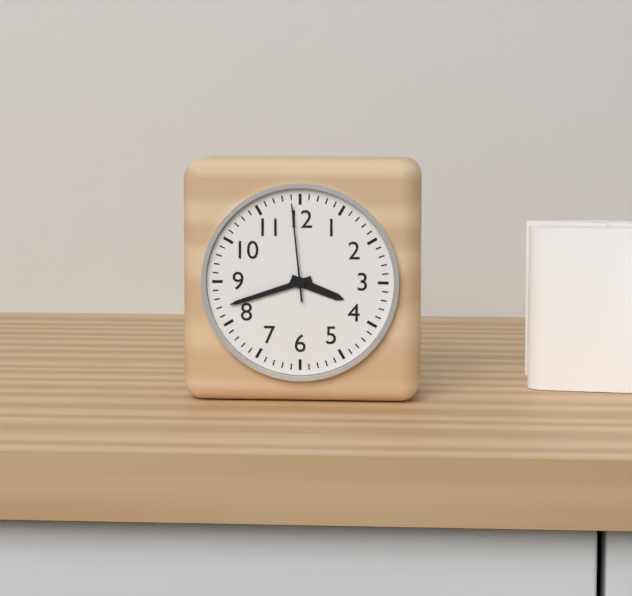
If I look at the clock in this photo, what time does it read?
3:42:59
